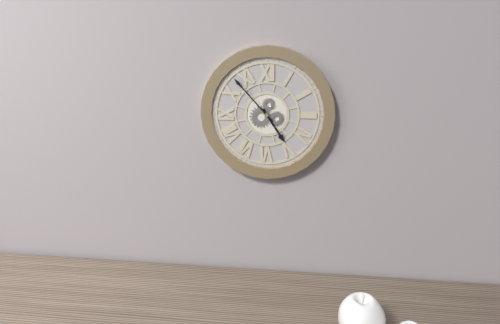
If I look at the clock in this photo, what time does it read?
4:53
